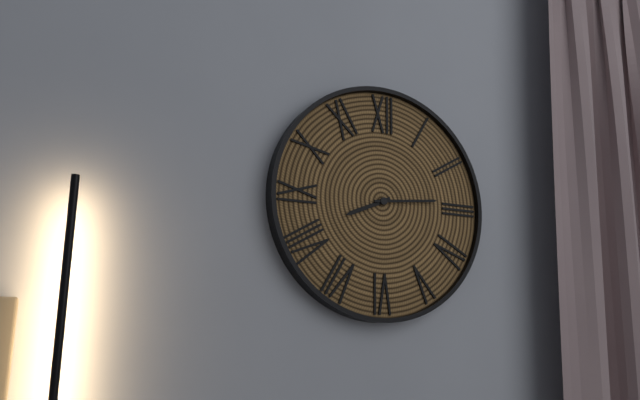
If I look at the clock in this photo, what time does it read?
8:14
